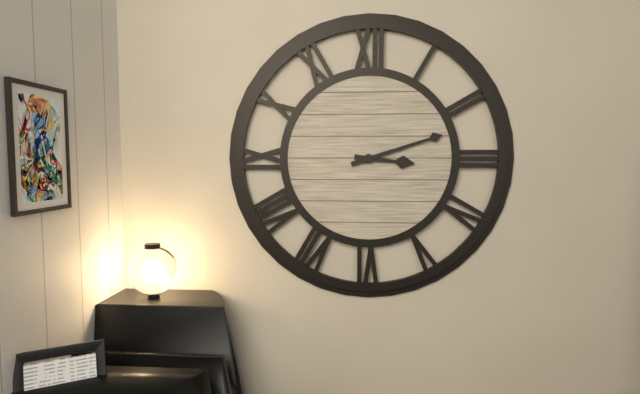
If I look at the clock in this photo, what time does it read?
3:12
